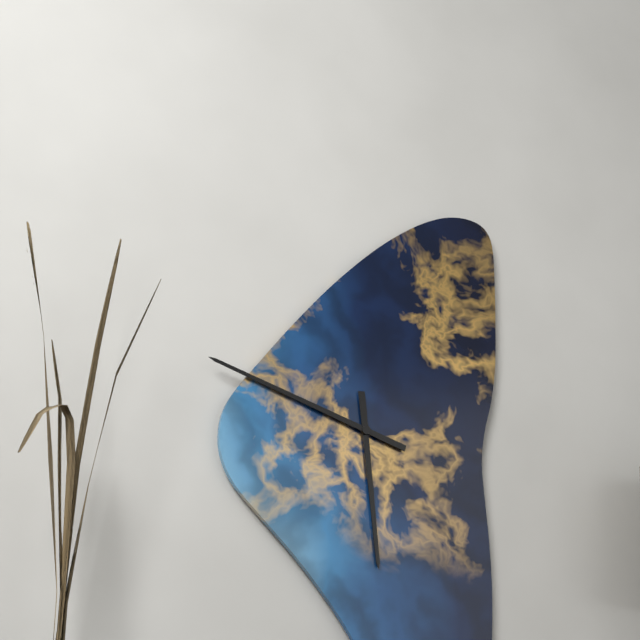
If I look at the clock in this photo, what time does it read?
5:48
